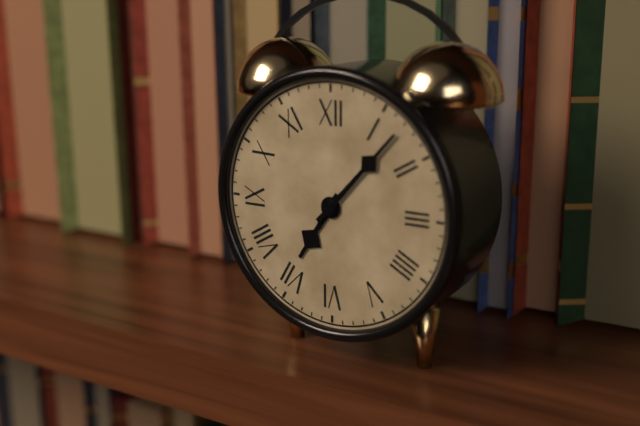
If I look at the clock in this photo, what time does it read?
7:07
